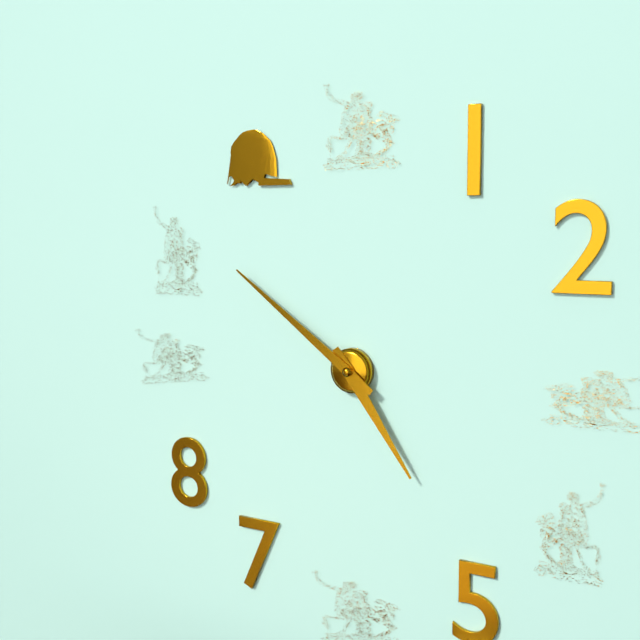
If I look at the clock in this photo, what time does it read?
4:51
